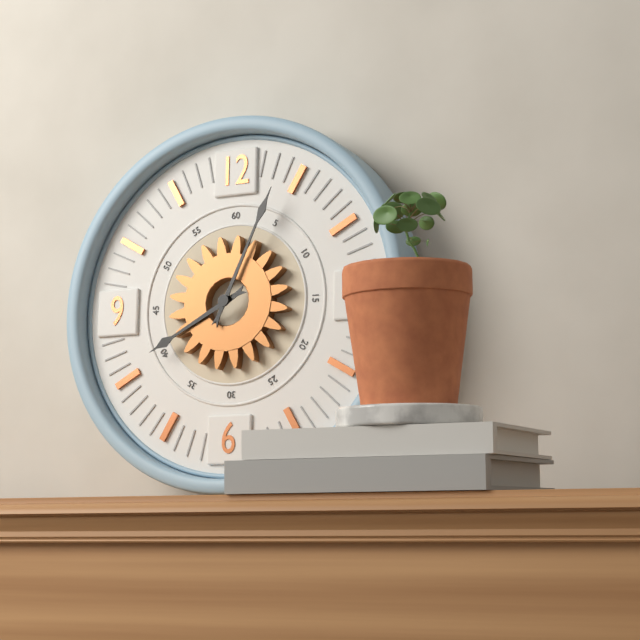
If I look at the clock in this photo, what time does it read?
8:04
